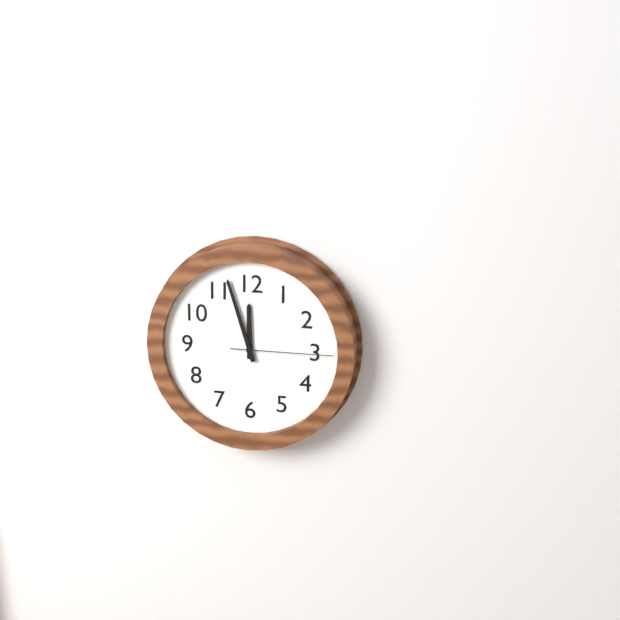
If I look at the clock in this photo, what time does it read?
11:57:15
